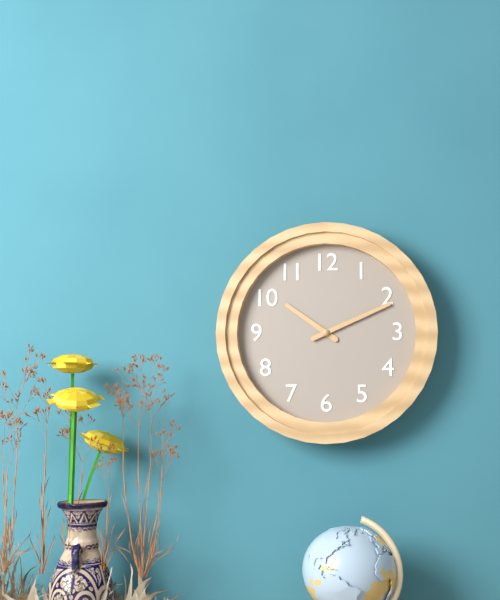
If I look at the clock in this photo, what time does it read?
10:11
